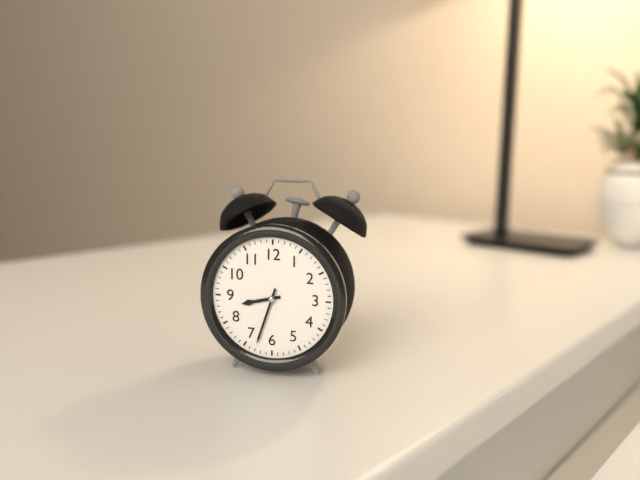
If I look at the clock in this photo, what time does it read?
8:33
